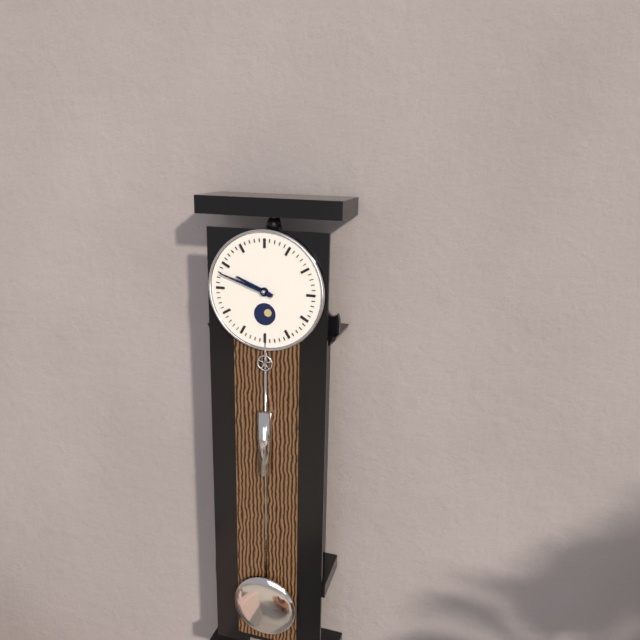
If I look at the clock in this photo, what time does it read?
9:48
